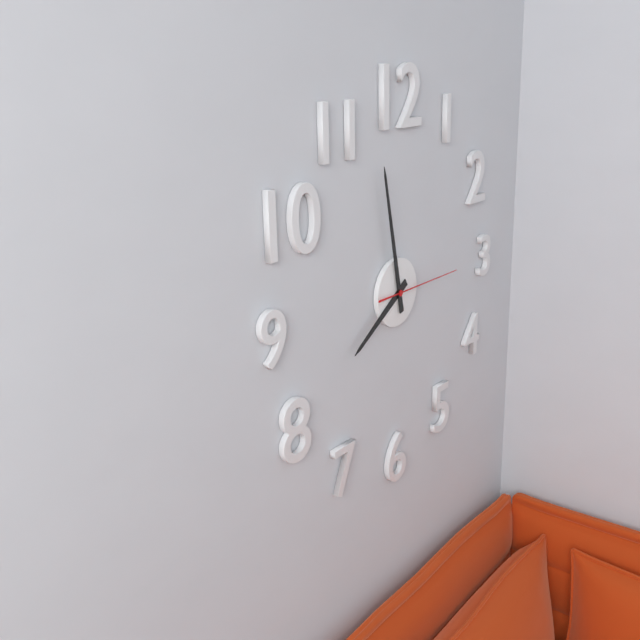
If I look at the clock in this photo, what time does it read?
7:58:15
